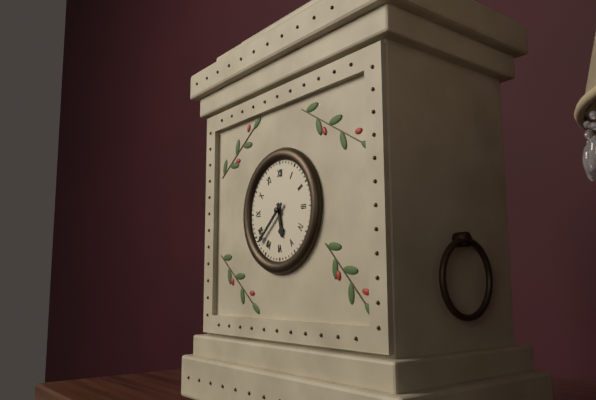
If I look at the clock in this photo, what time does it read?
5:38
